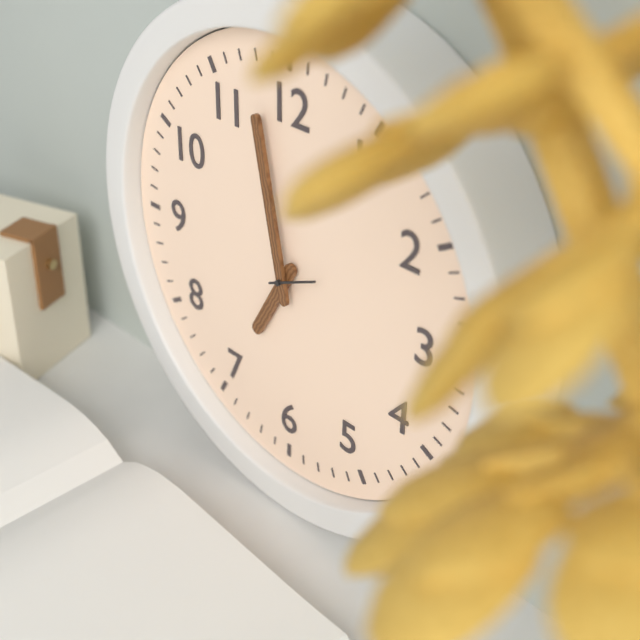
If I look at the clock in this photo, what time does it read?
6:58
